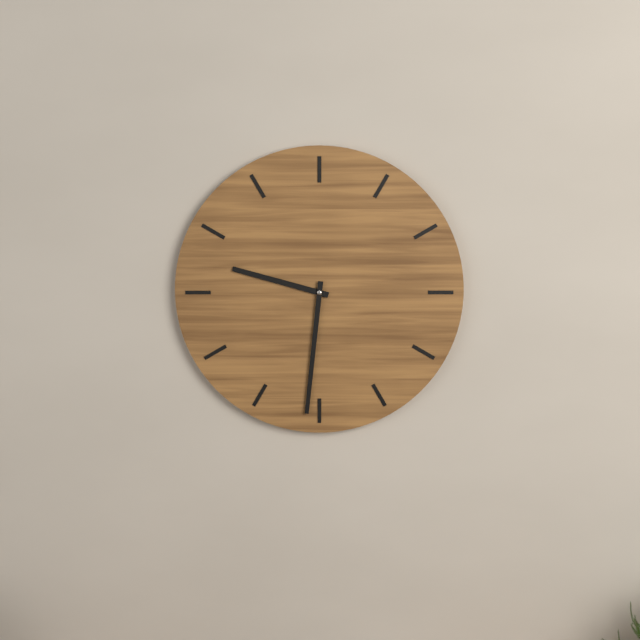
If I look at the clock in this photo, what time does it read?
9:31
